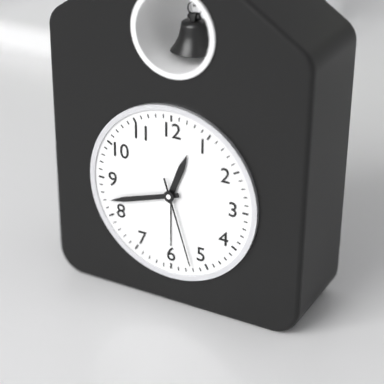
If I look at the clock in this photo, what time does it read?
12:42:27
